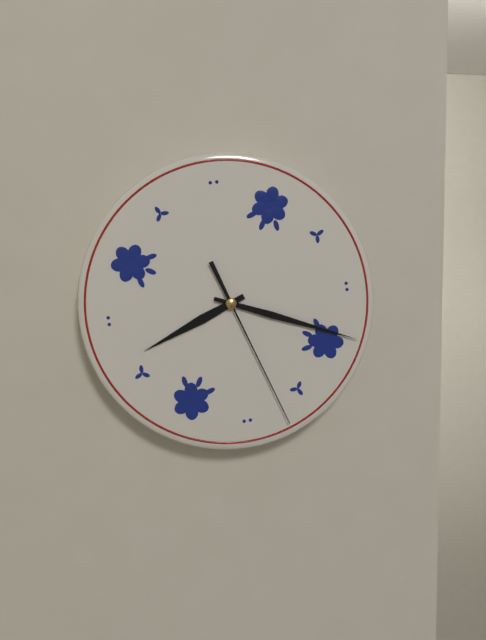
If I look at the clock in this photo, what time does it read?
8:19:27
